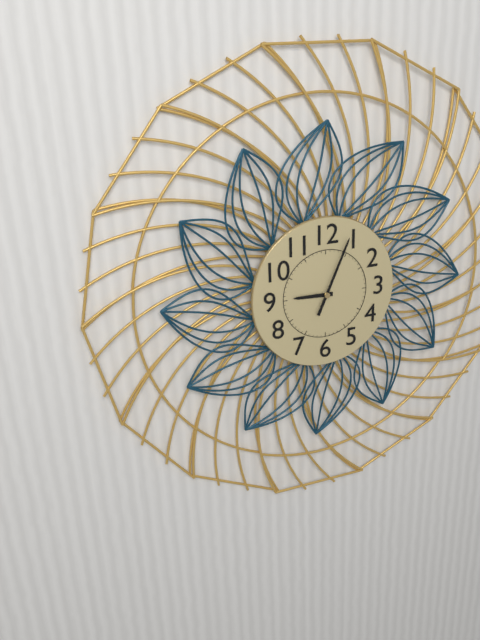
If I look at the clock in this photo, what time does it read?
9:04
